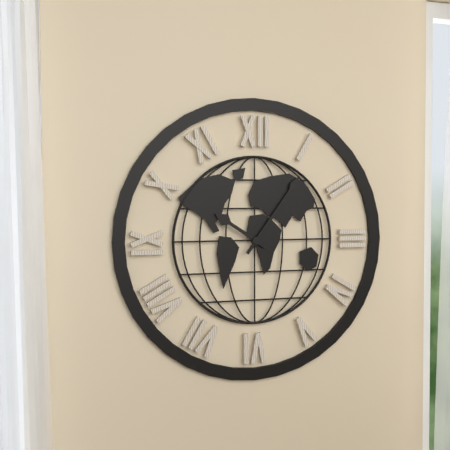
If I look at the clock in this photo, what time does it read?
10:06
